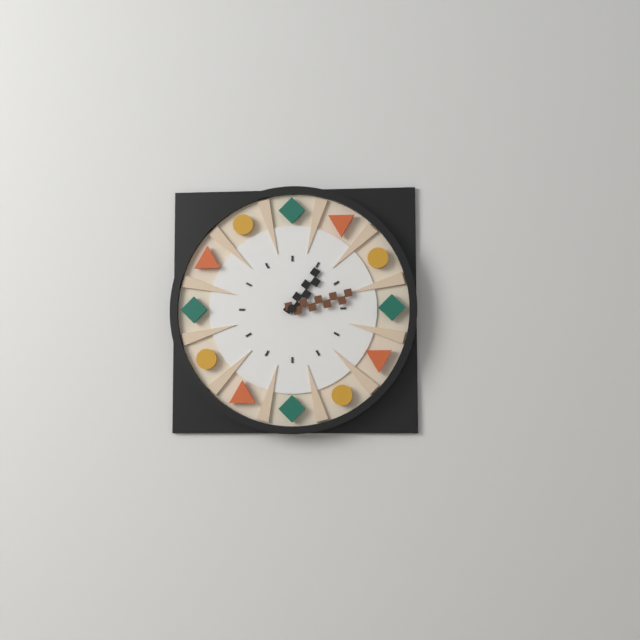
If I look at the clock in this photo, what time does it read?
1:13
